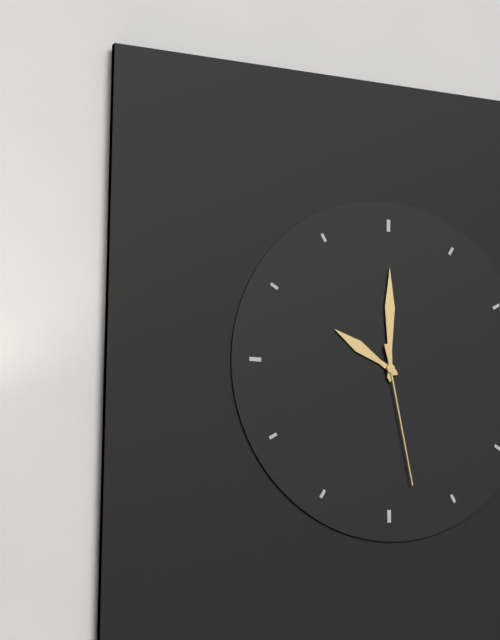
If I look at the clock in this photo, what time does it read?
10:00:28
